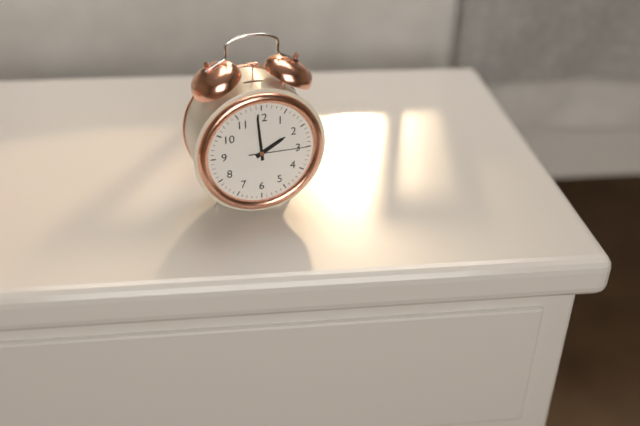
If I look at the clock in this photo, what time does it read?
1:59:15
